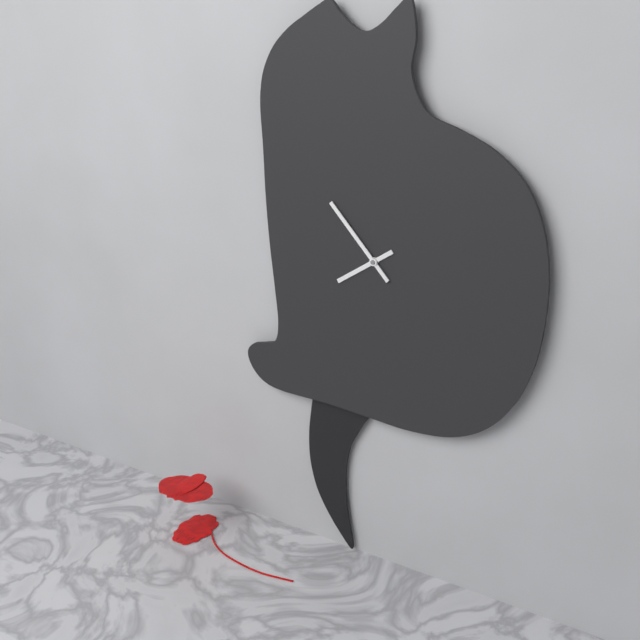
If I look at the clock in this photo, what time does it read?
7:53
